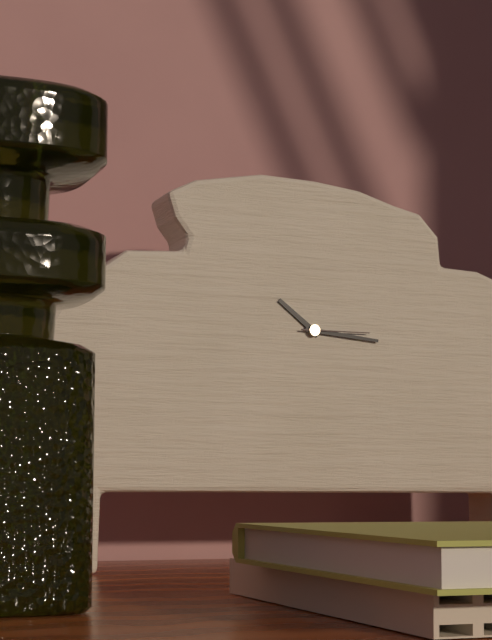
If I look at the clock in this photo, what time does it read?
10:16:15
